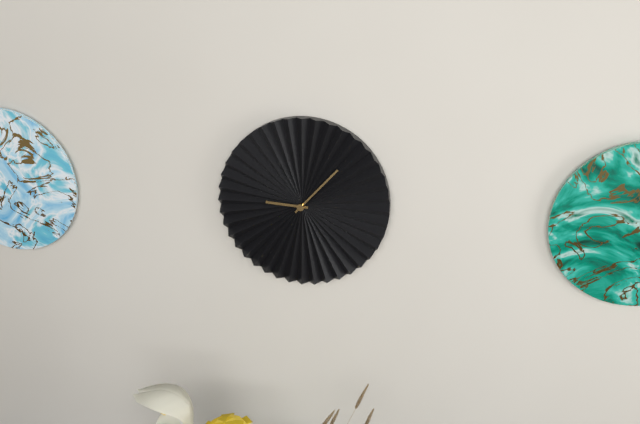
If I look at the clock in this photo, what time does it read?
9:07
